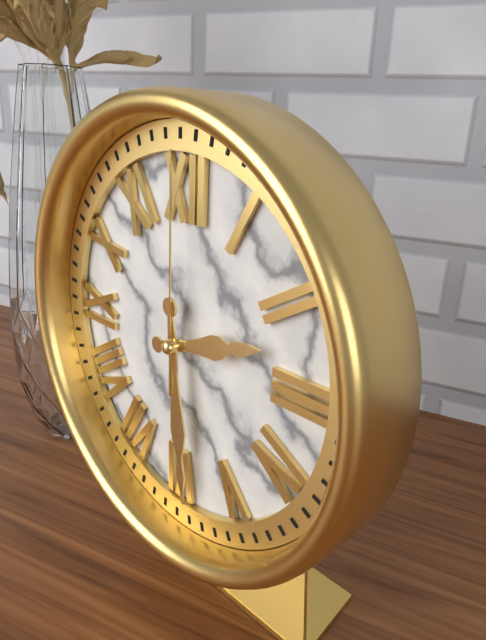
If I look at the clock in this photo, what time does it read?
2:29:00
